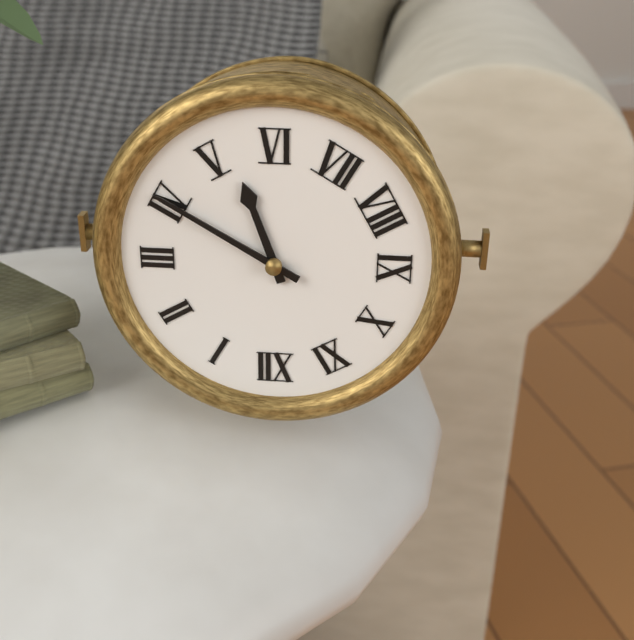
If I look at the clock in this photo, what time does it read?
5:20
